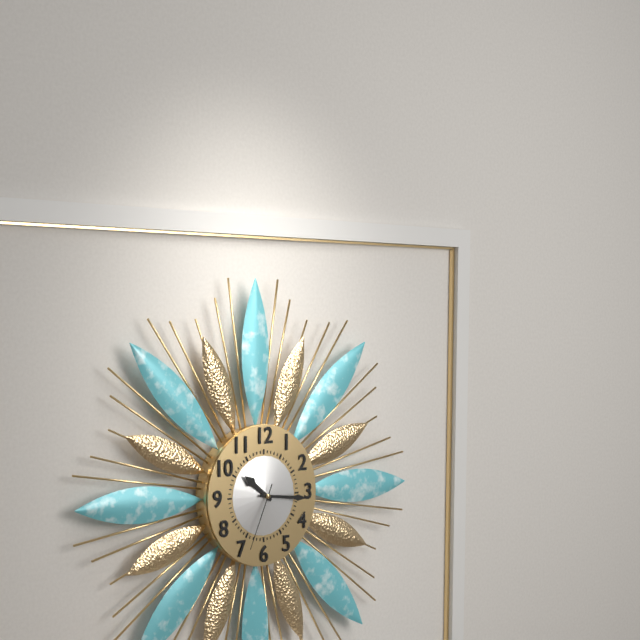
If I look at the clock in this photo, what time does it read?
10:16:34
